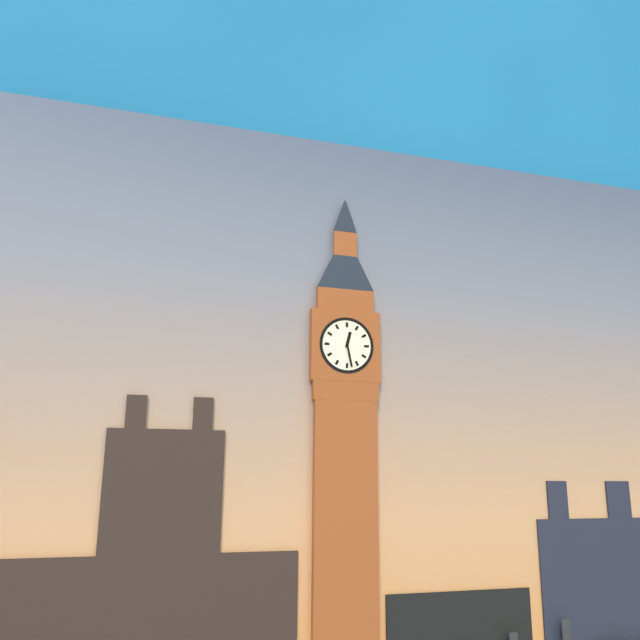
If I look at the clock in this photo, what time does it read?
12:28
